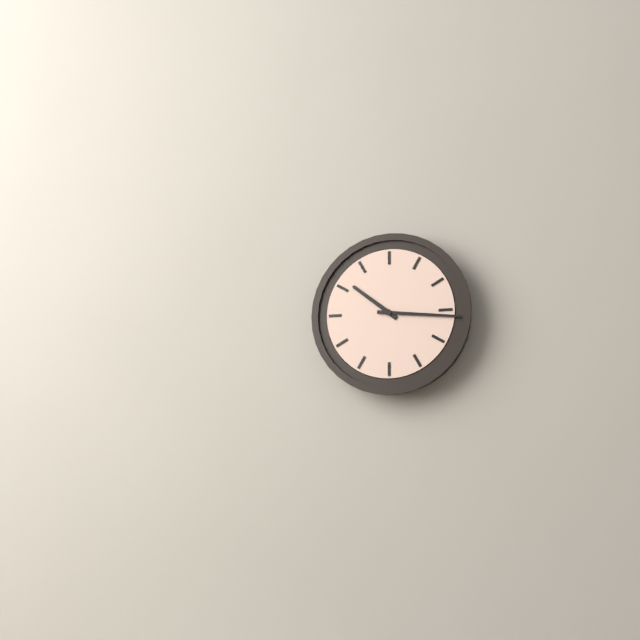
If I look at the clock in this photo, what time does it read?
10:16
